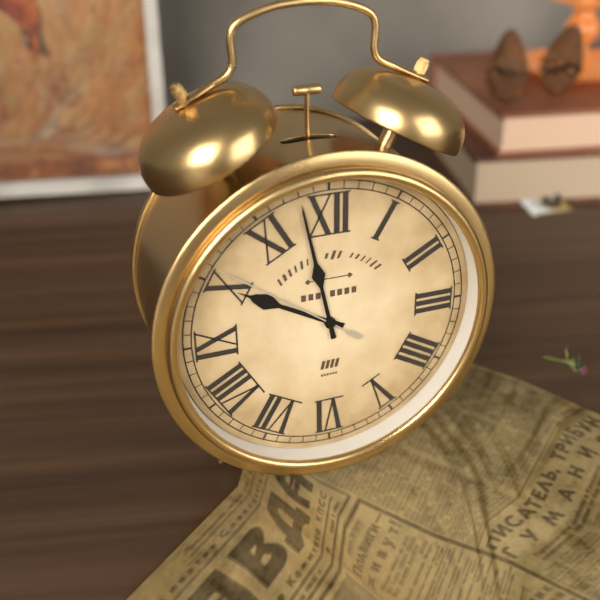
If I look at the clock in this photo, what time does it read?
9:58:51
